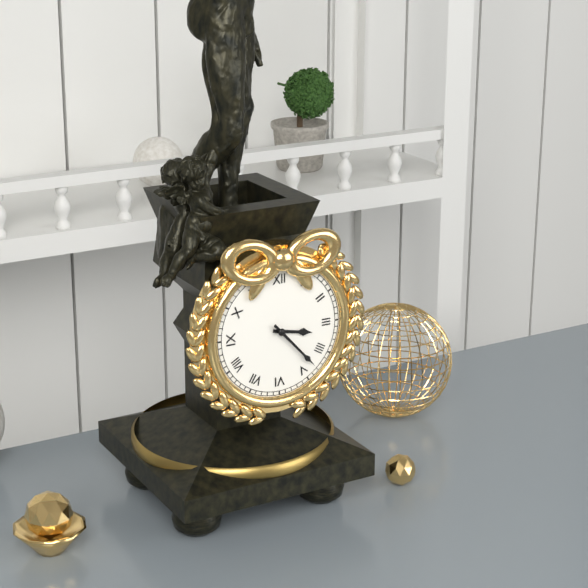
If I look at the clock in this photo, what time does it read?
3:23
